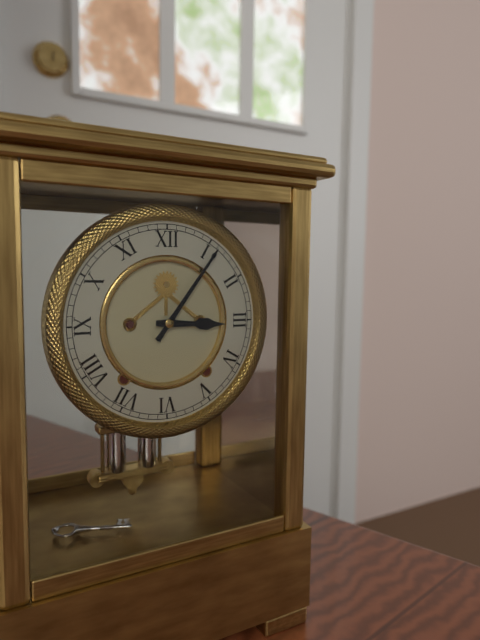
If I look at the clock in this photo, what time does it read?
3:06
